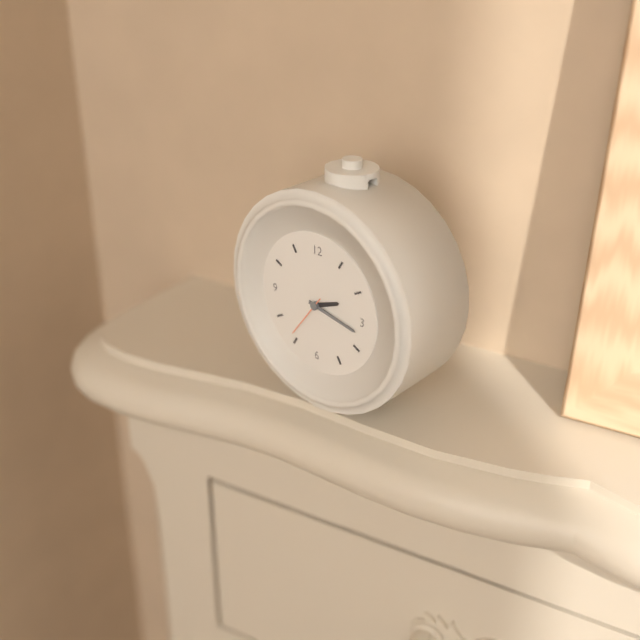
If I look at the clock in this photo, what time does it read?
2:17
